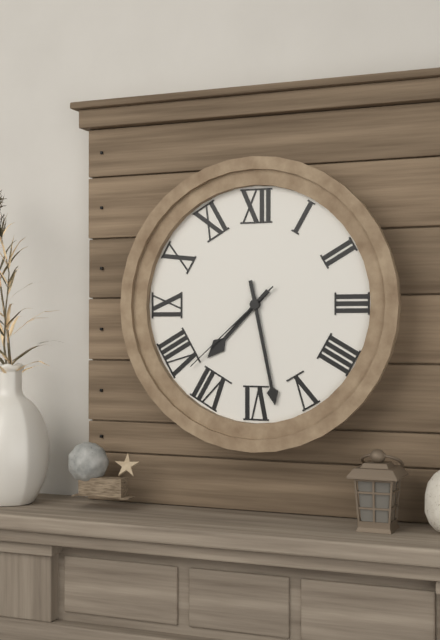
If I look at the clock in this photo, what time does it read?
7:28:38
